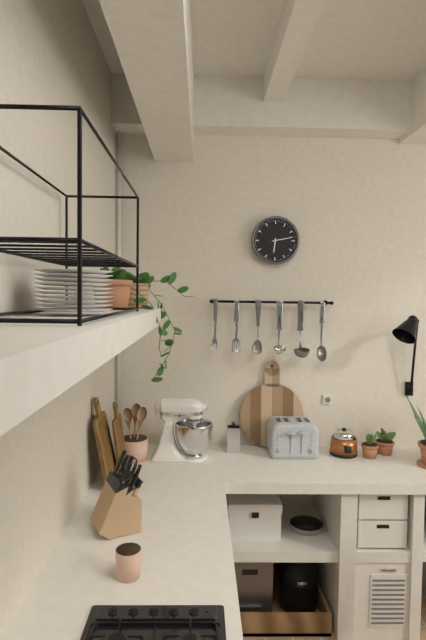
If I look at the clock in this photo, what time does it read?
6:13
